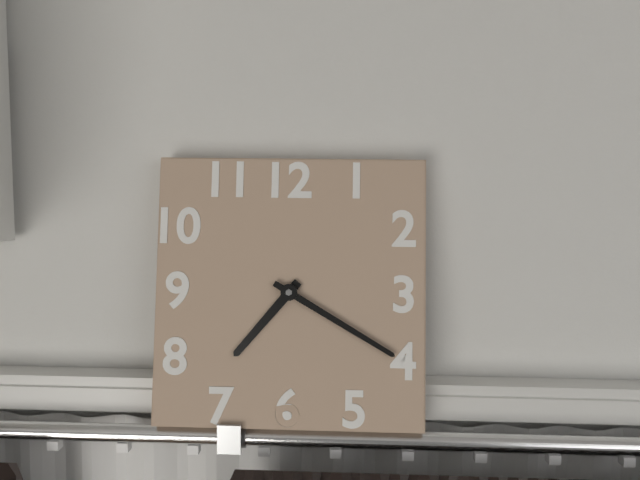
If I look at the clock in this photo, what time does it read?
7:20
